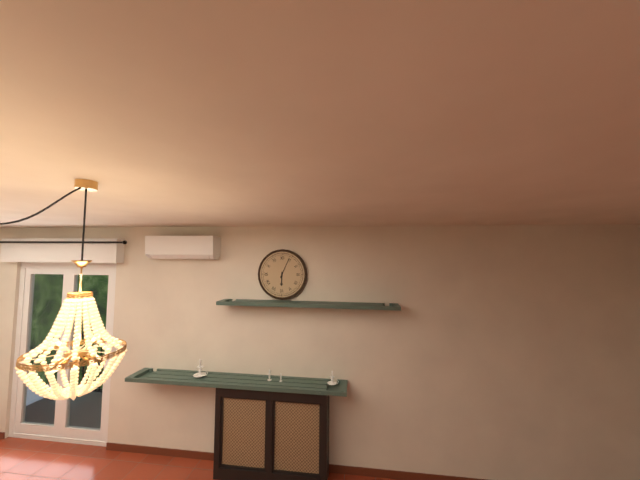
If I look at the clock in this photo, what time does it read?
6:04
